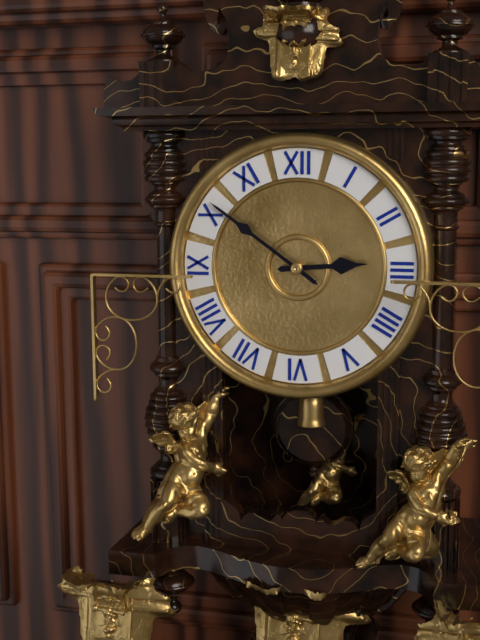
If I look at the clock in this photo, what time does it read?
2:51
